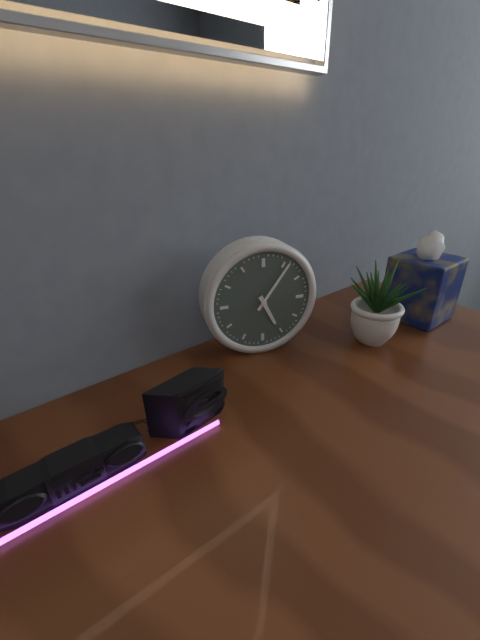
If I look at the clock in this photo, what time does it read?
5:06
